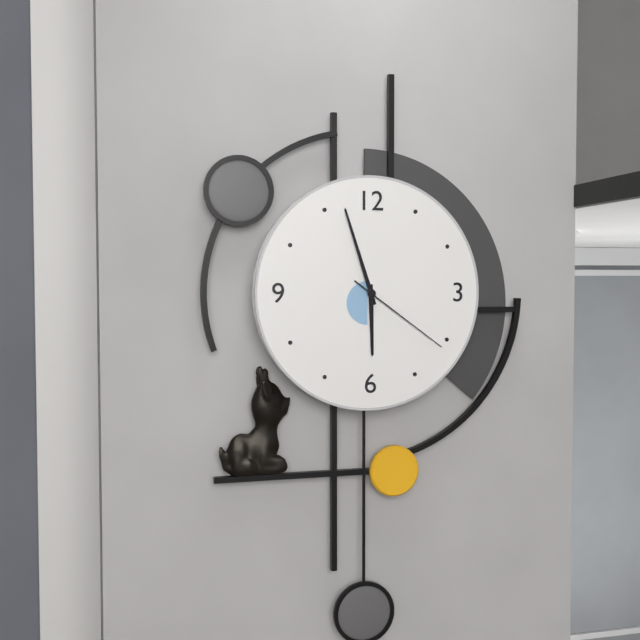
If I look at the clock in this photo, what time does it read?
5:57:21
